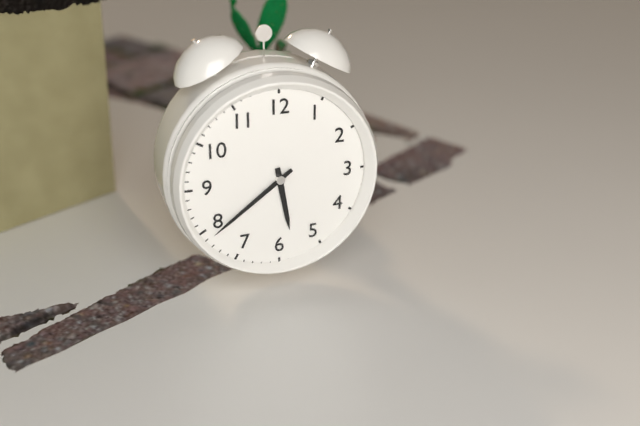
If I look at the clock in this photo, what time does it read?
5:39
